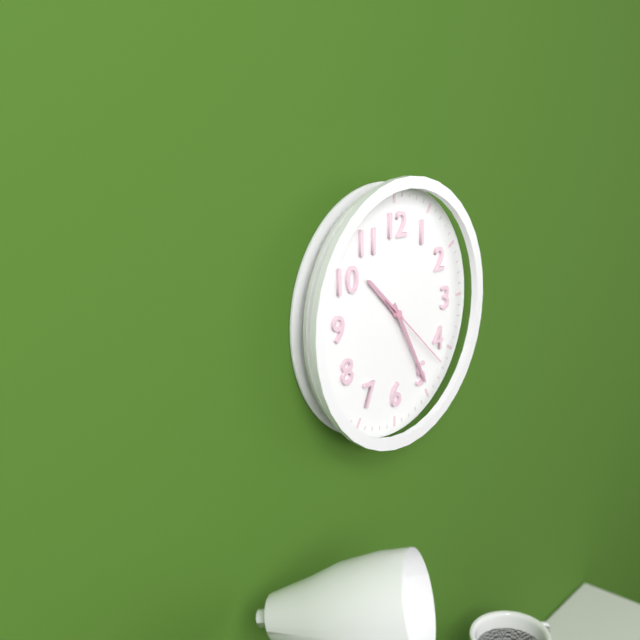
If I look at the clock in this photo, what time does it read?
10:25:22
